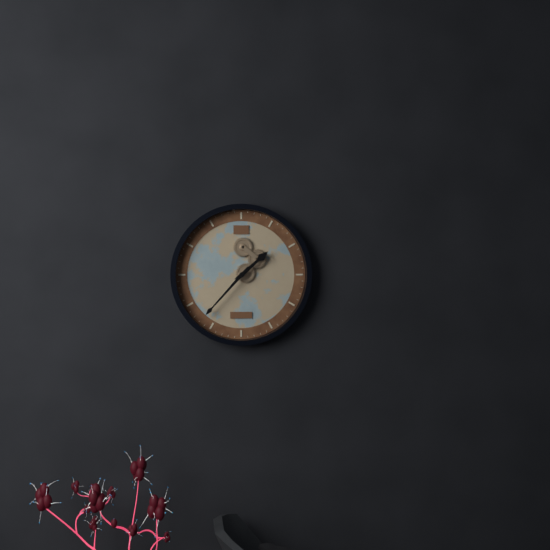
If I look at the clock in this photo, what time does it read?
1:37
